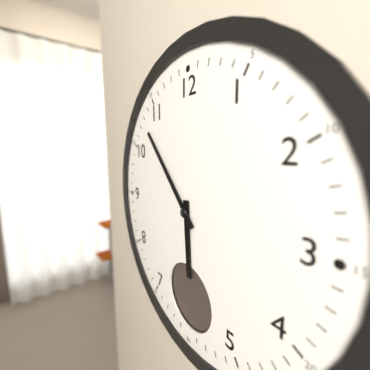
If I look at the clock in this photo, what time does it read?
5:53
